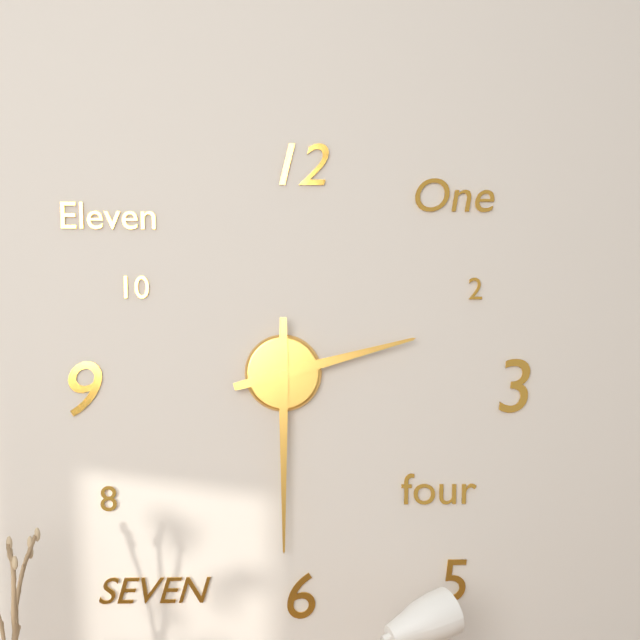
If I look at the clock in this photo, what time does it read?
2:30
